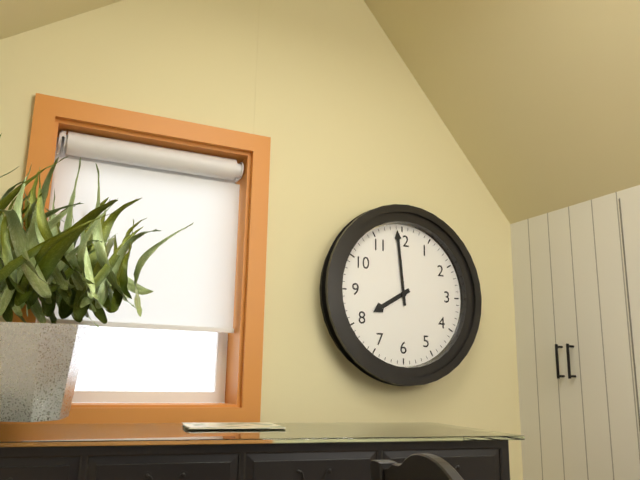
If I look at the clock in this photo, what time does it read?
7:59
